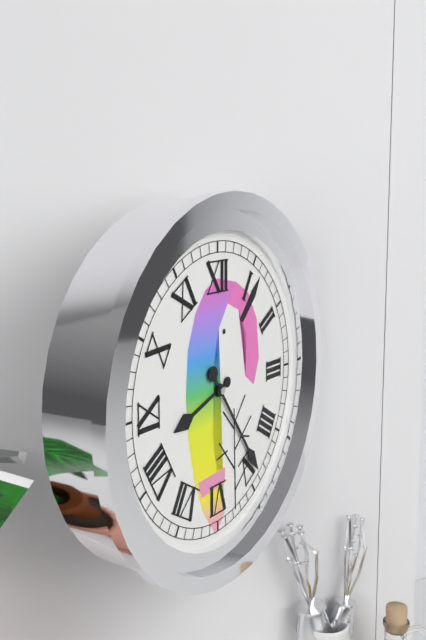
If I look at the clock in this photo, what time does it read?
8:24
